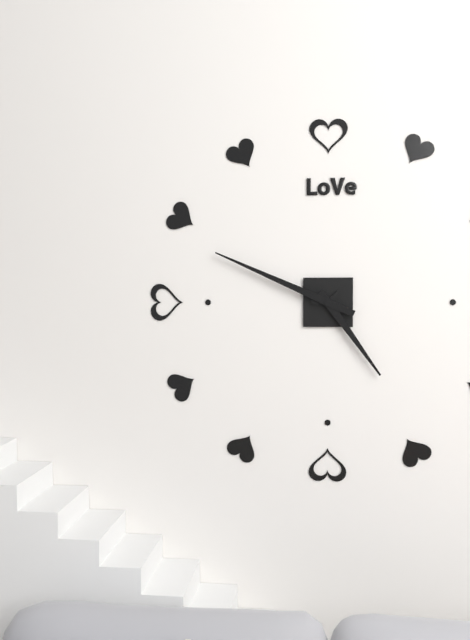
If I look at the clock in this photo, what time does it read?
4:49
